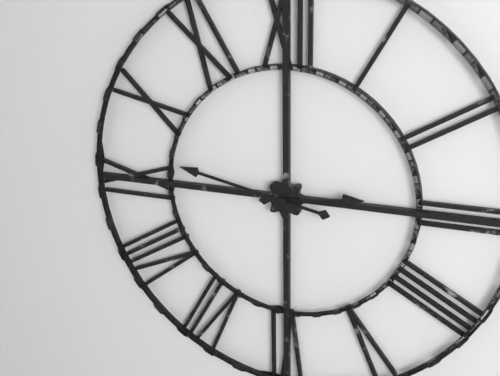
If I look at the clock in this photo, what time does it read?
2:47
